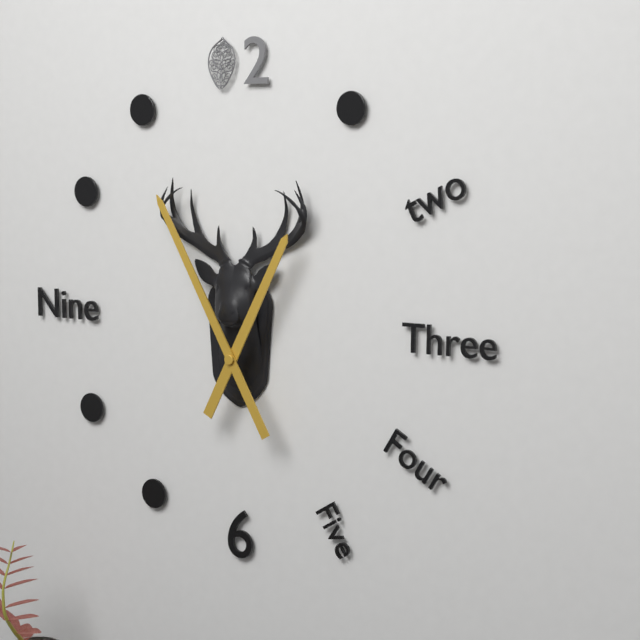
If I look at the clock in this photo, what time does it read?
12:55
